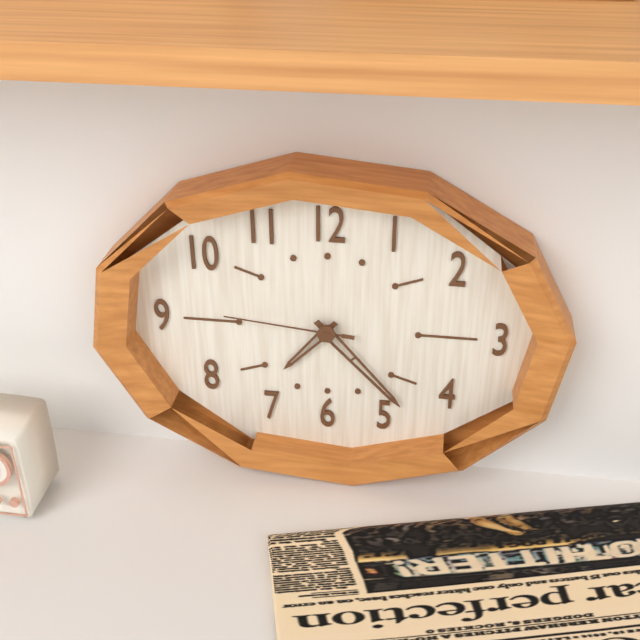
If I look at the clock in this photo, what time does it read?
7:23:46
